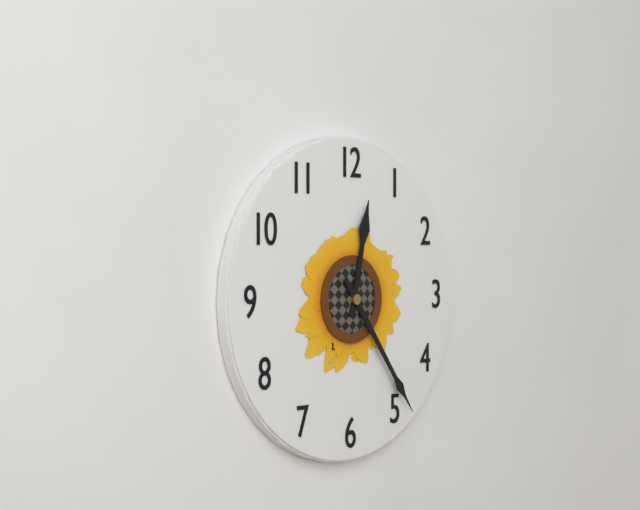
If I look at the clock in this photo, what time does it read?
12:24
